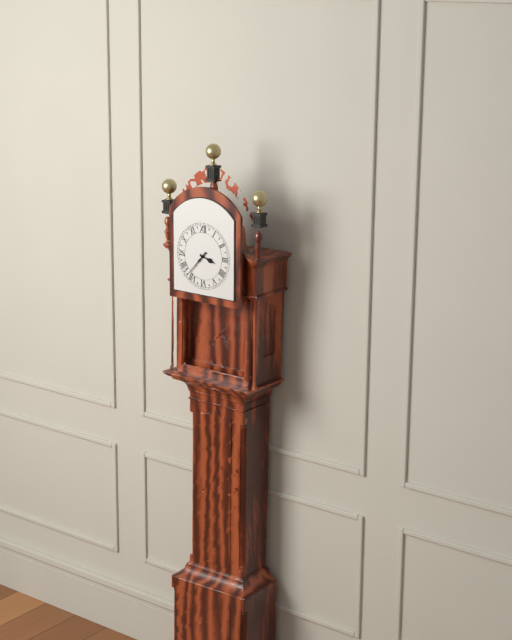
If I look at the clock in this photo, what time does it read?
3:37
